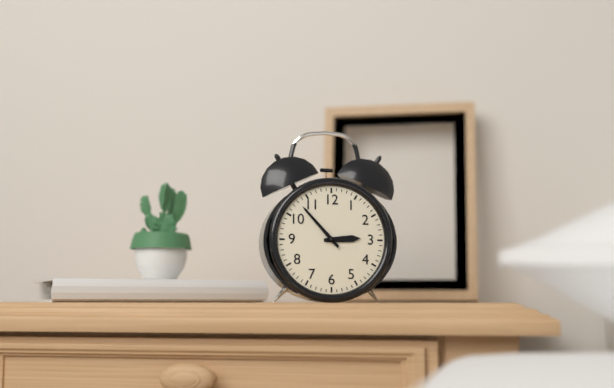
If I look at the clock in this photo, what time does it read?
2:53
